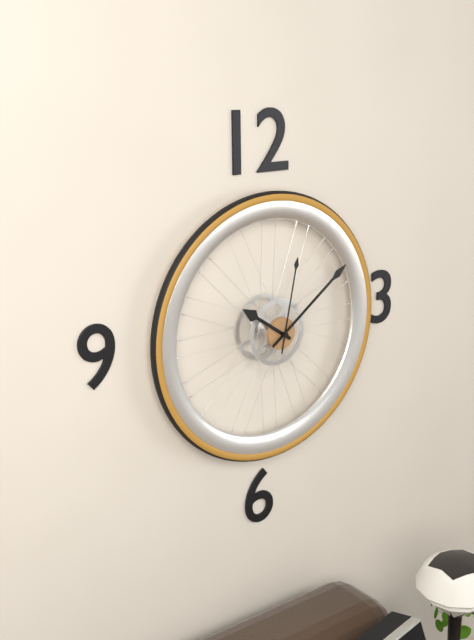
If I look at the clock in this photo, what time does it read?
10:09:02
